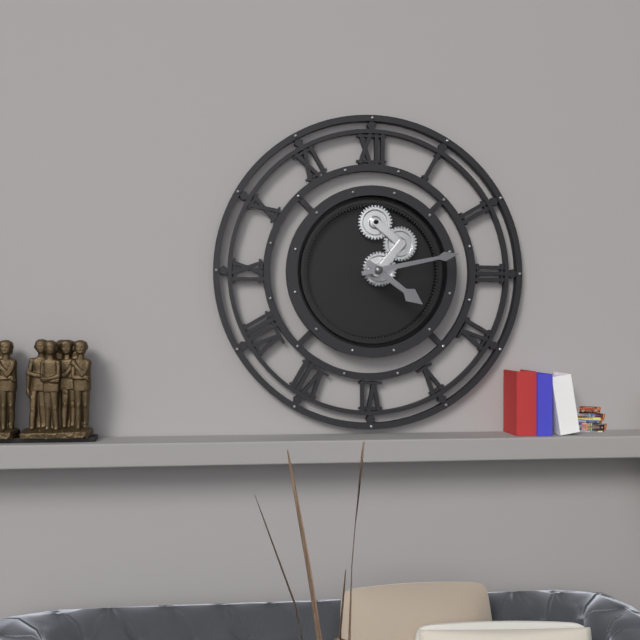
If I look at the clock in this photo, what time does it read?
4:13
